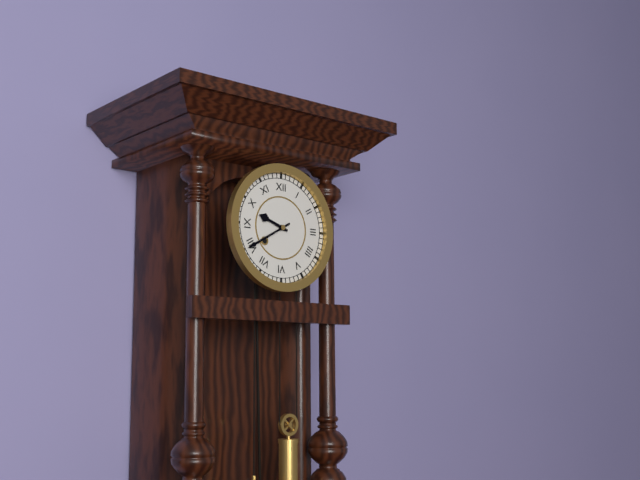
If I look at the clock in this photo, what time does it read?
9:40
